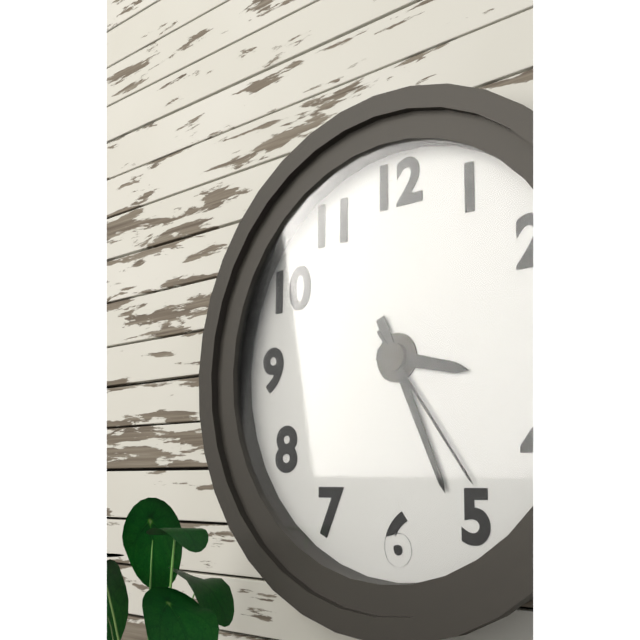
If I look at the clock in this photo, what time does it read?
3:26:24
